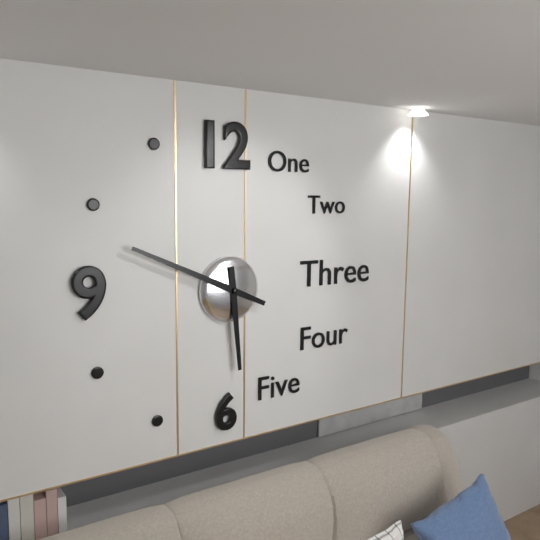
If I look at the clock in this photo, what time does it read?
5:49
